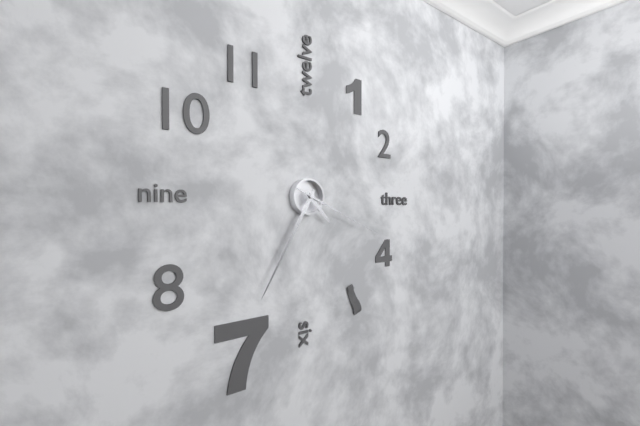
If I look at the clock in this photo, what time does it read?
4:35:19
